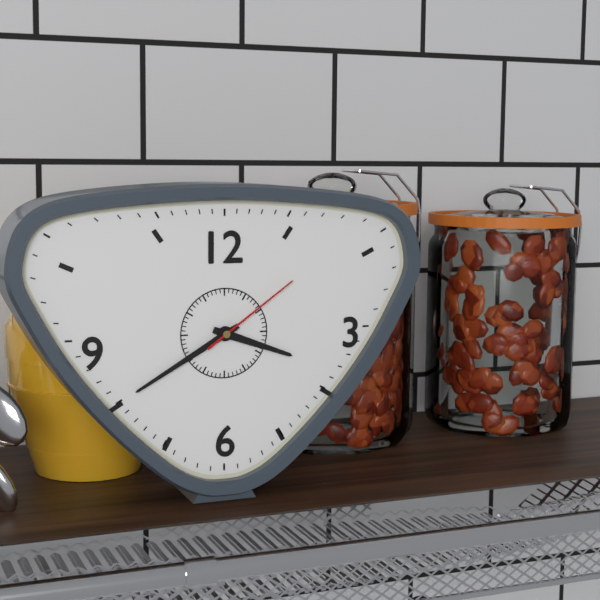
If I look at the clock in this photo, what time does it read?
3:40:09
